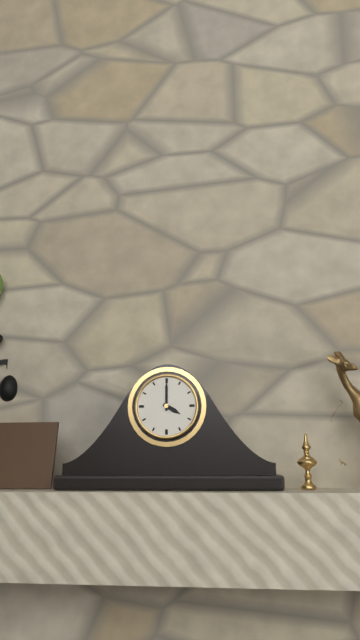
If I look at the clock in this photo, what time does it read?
4:00
